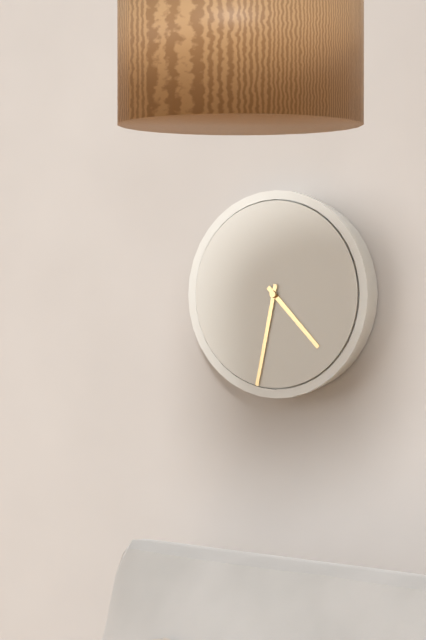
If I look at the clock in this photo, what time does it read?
4:32
